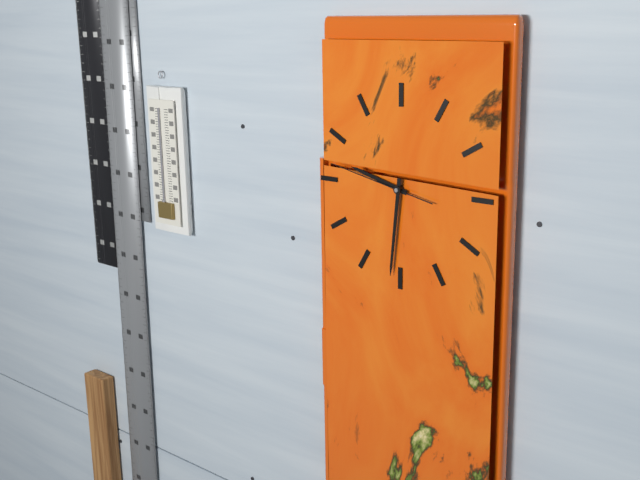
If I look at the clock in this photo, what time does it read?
9:31:47
